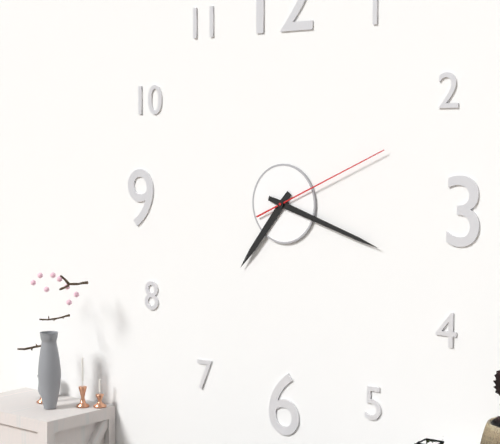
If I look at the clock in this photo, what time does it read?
7:18:11
